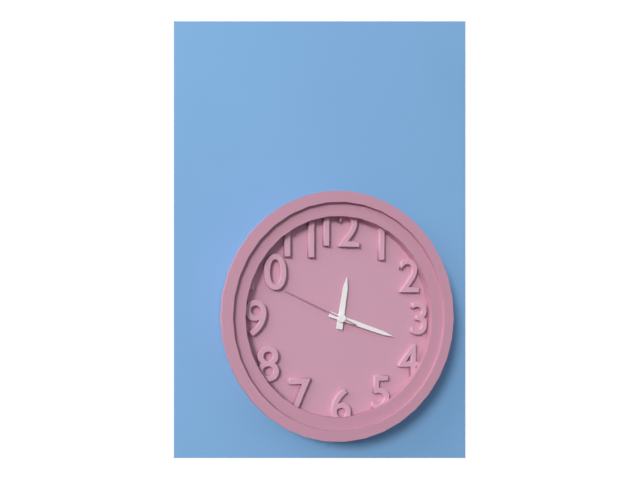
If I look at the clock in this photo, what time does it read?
12:18:49
